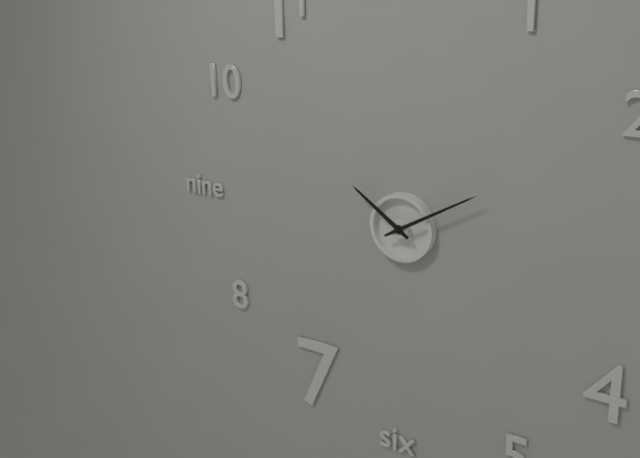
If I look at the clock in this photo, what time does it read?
10:10
